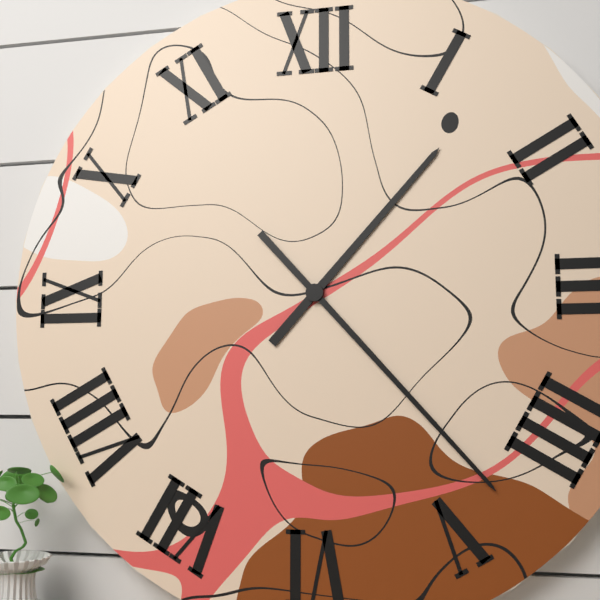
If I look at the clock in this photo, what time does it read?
1:23
